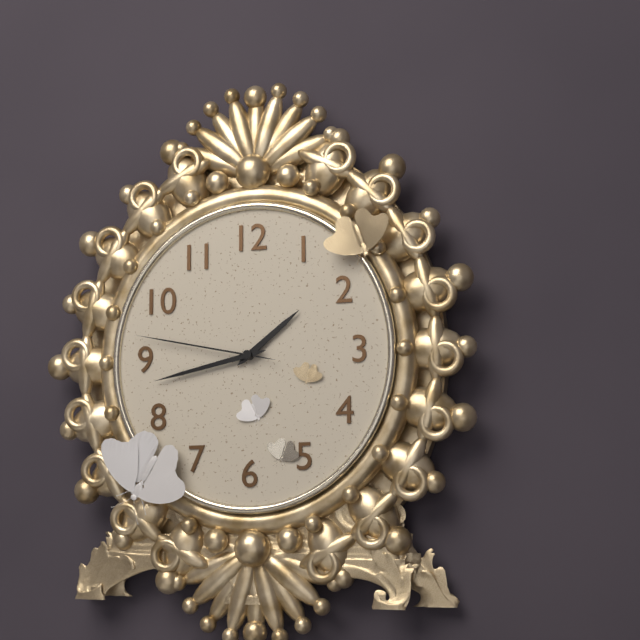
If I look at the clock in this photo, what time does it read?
1:43:47
